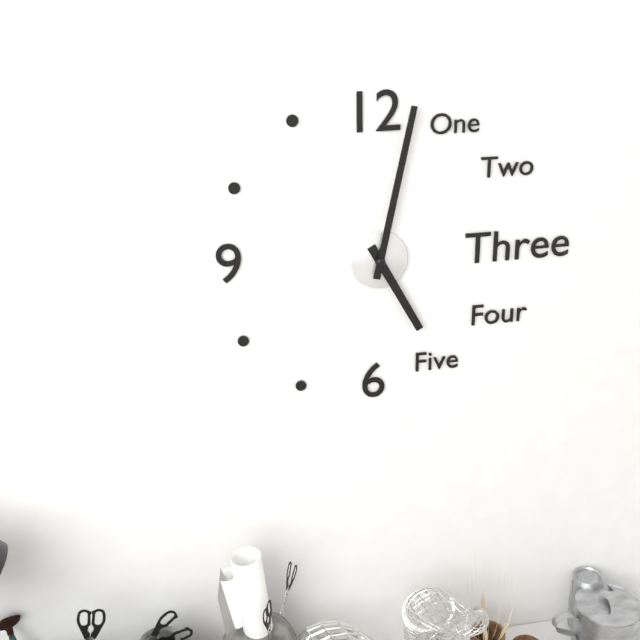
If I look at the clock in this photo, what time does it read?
5:02
